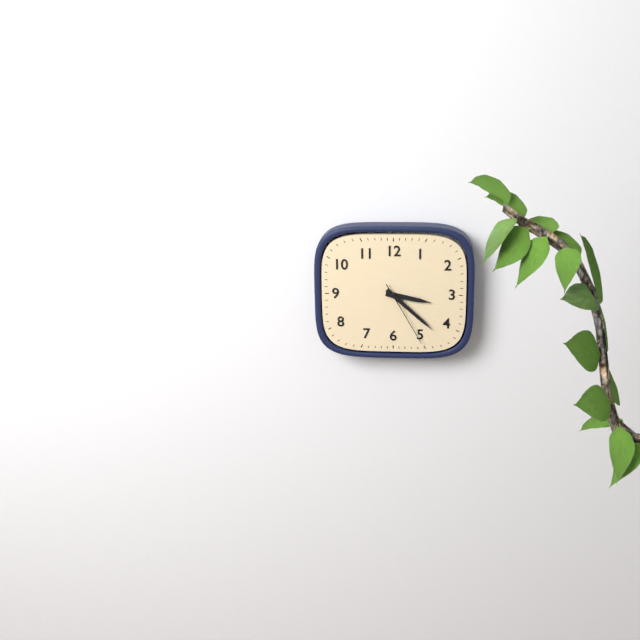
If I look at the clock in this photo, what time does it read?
3:22:25
